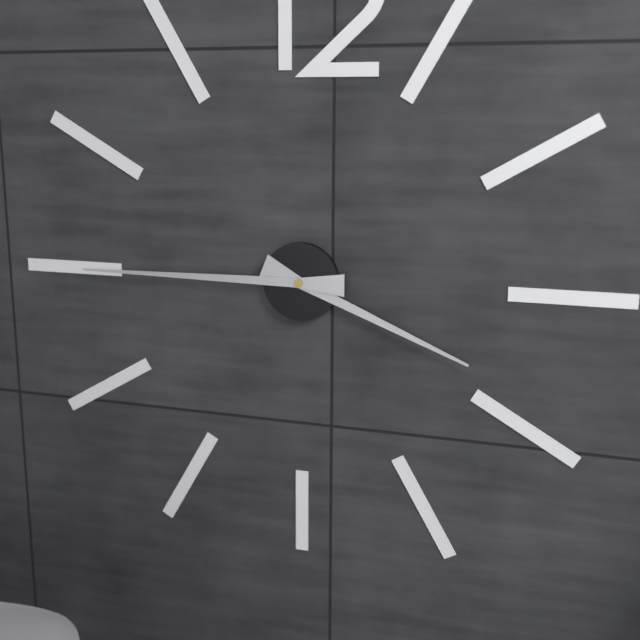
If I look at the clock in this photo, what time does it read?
3:45
